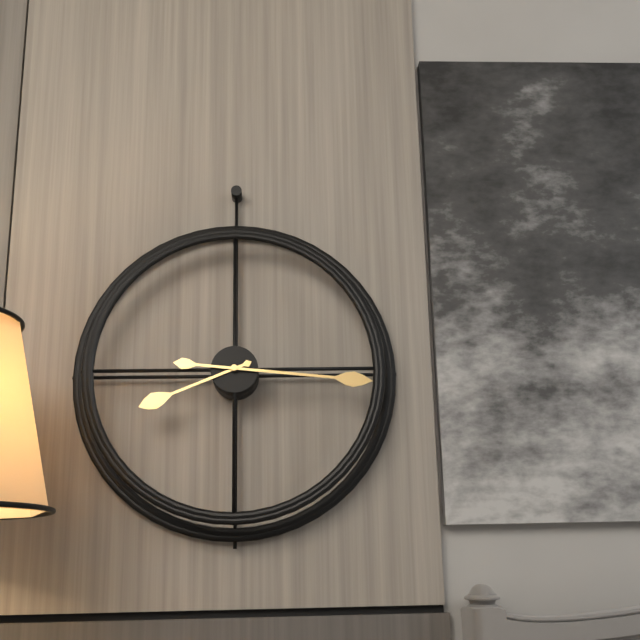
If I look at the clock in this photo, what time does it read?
8:16
